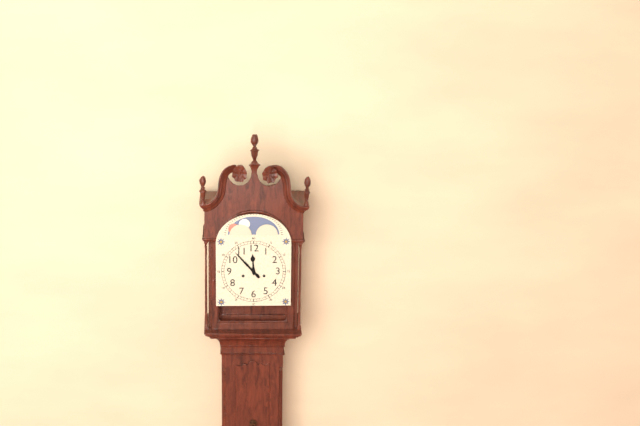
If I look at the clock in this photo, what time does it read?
11:53
